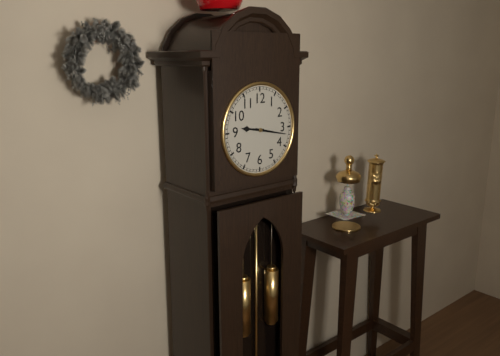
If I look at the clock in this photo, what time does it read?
9:17
